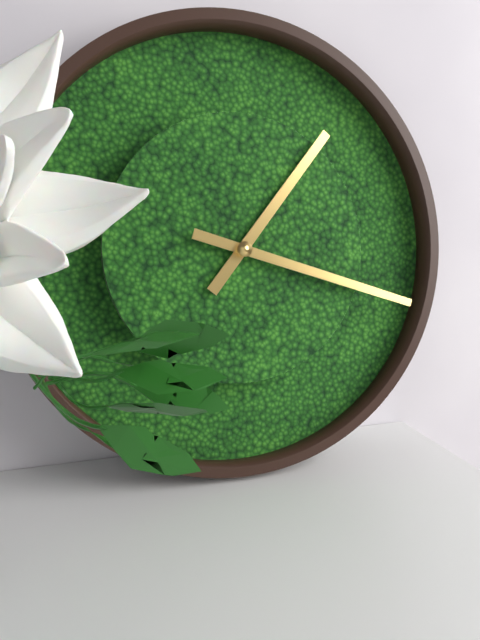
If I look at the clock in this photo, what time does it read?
1:18
